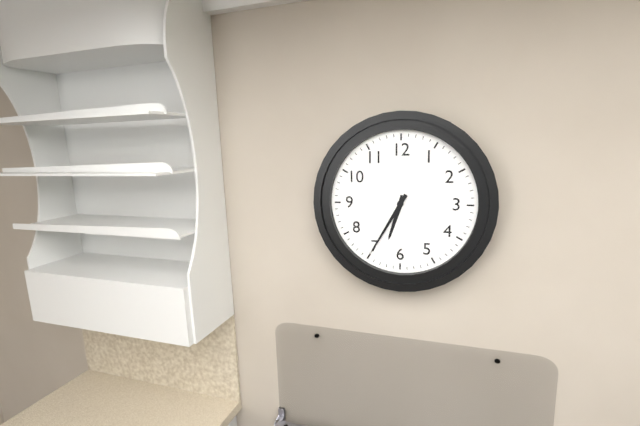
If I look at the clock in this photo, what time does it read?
6:35
